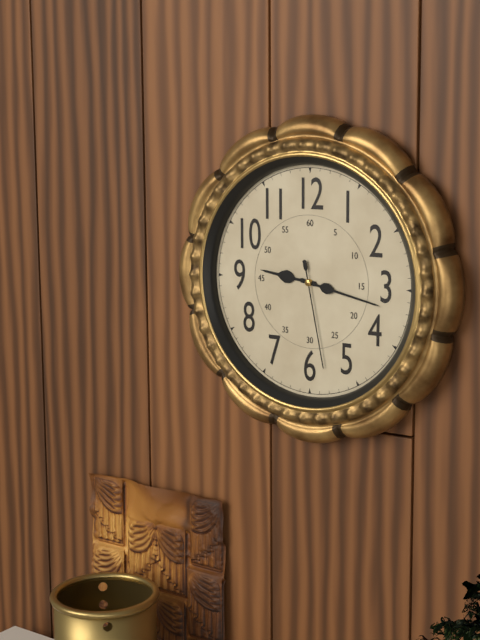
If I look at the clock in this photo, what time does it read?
9:17:28
